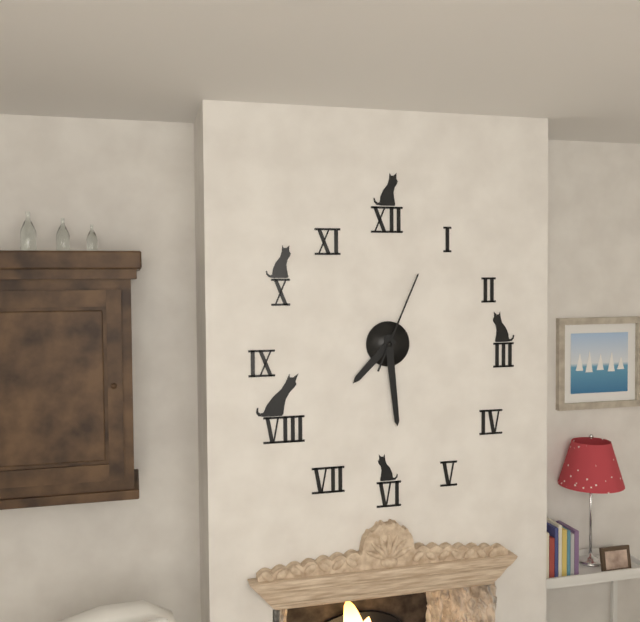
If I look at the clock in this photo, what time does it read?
7:29:04
